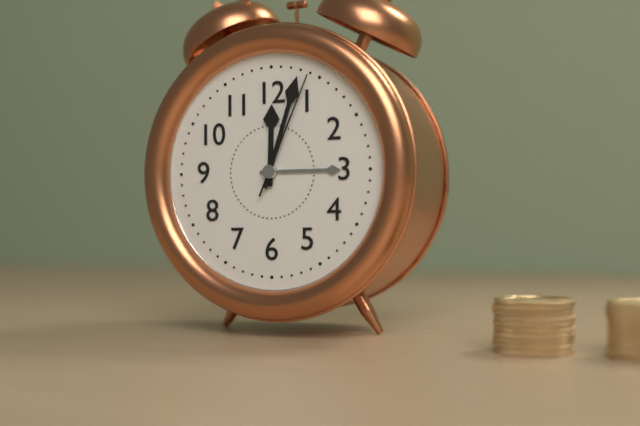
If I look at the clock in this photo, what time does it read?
12:03:04
